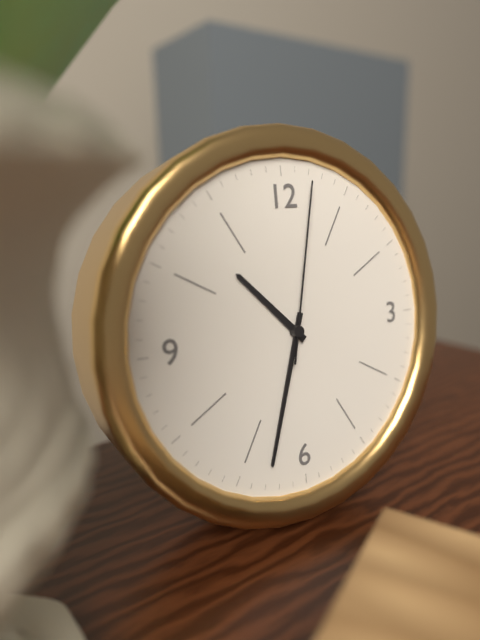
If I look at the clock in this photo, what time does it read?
10:33:02
